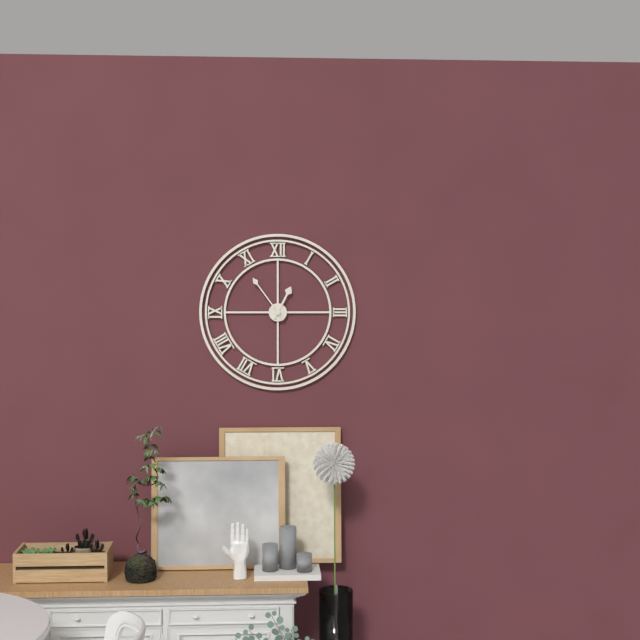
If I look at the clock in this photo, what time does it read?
12:54
